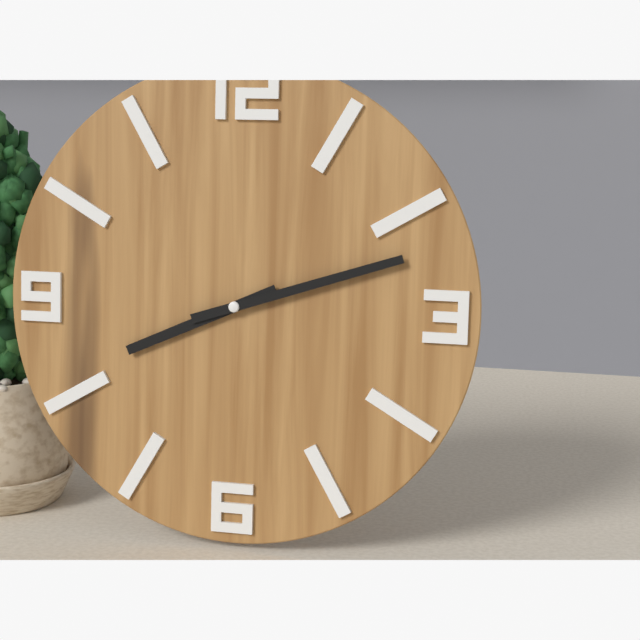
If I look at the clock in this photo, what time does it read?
8:12
